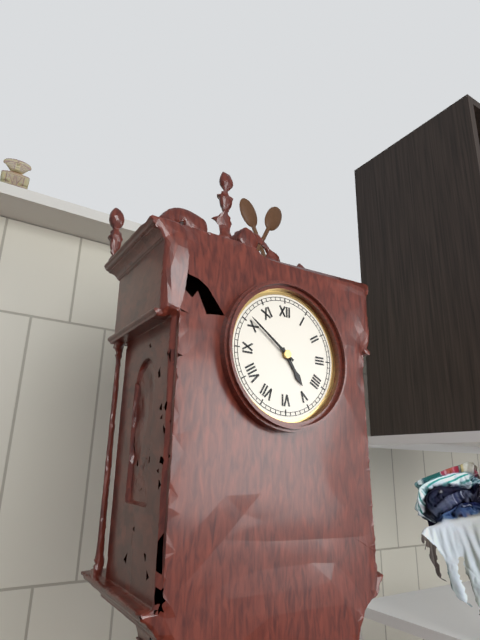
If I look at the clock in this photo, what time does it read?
4:51
